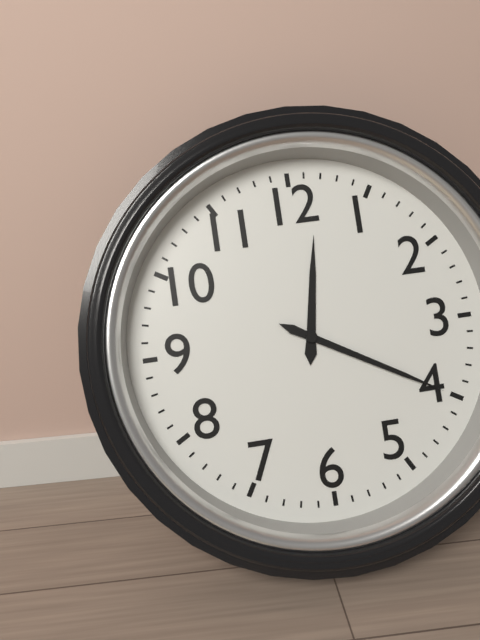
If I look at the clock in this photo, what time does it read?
12:20
